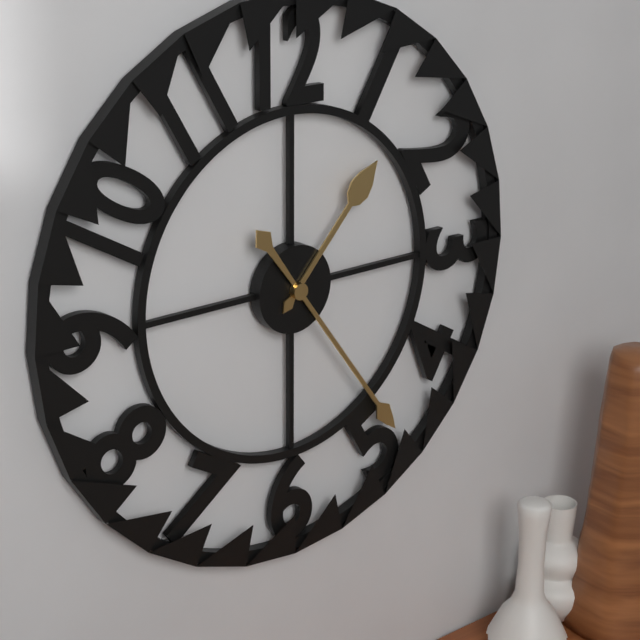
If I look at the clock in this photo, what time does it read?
1:24
